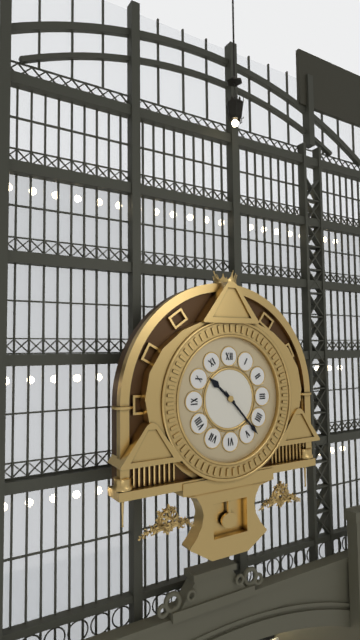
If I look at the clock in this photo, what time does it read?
10:23
